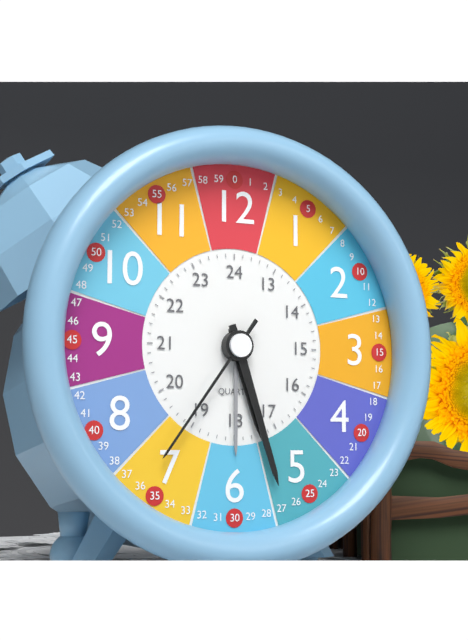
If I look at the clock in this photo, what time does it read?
5:27:36
